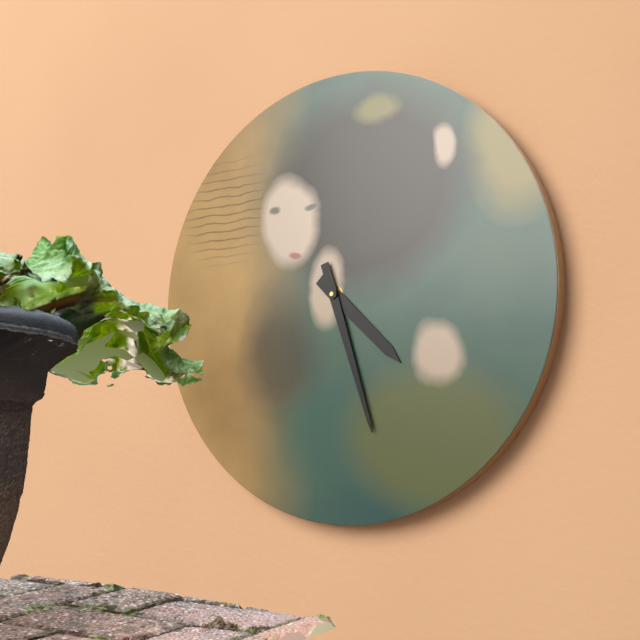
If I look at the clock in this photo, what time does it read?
4:27
